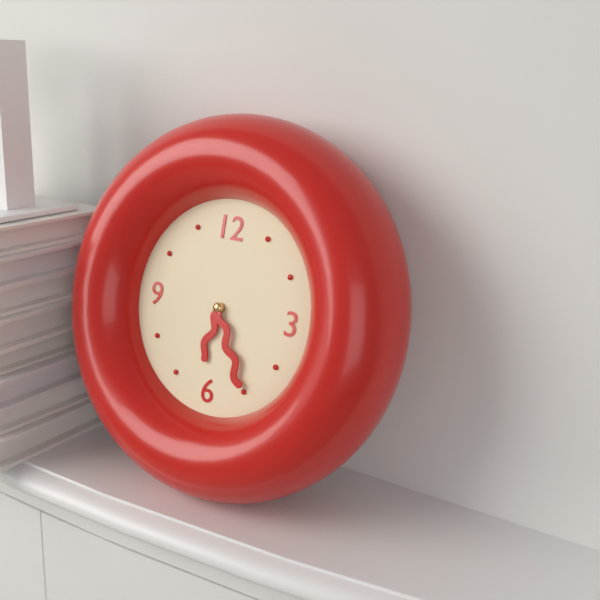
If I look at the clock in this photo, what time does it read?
6:25
